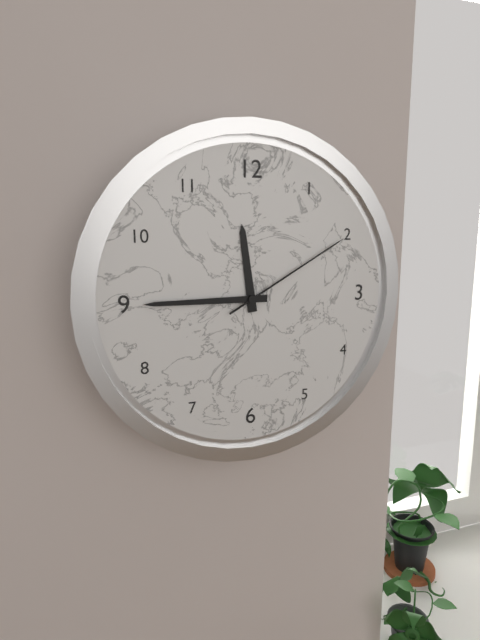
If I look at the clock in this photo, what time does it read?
11:45:10
